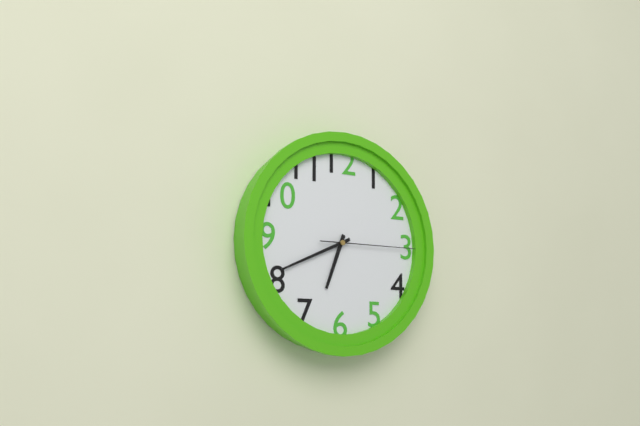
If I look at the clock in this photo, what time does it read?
6:41:15
